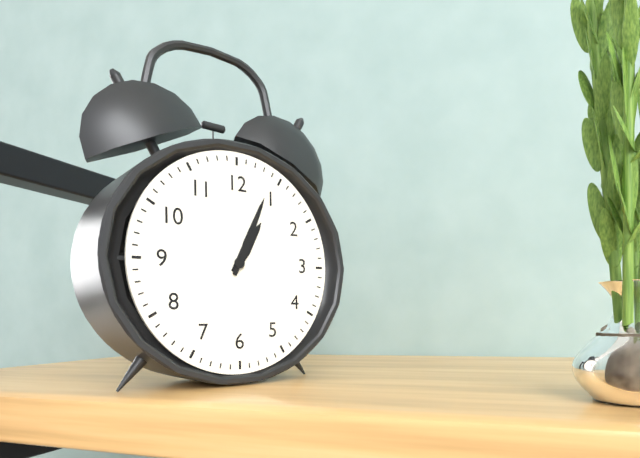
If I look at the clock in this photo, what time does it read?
1:04
